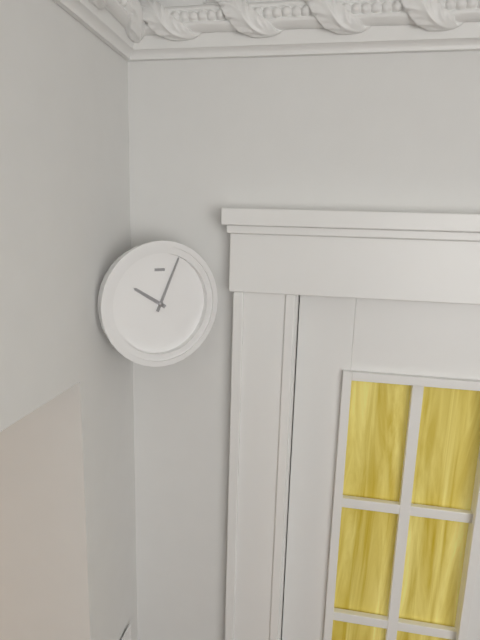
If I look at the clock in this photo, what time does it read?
10:04
